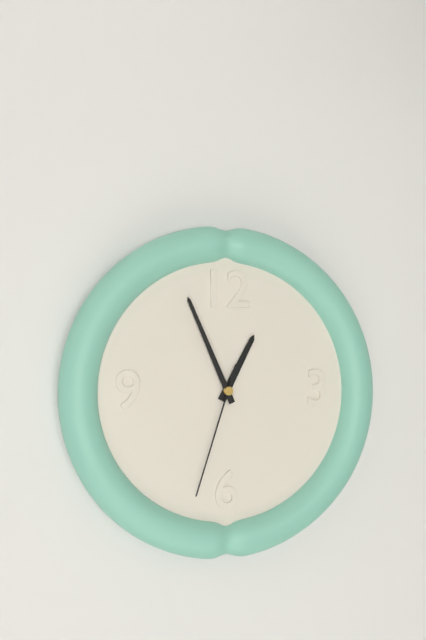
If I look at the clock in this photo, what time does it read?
12:56:33
